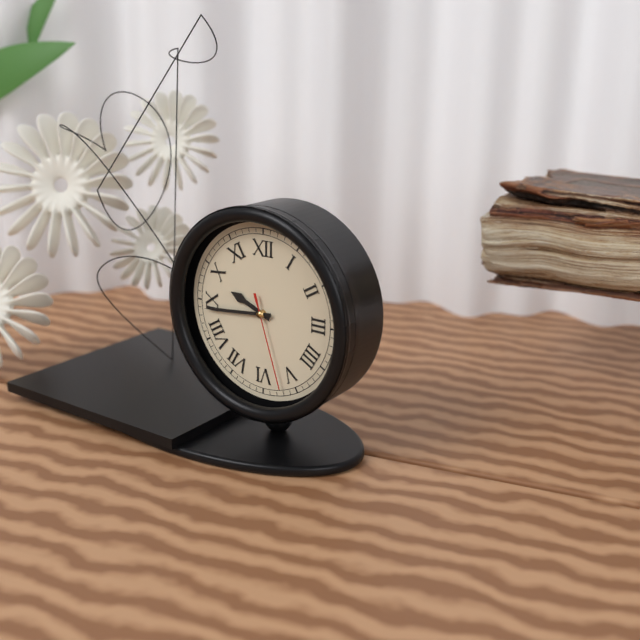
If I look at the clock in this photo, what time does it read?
9:44:27
